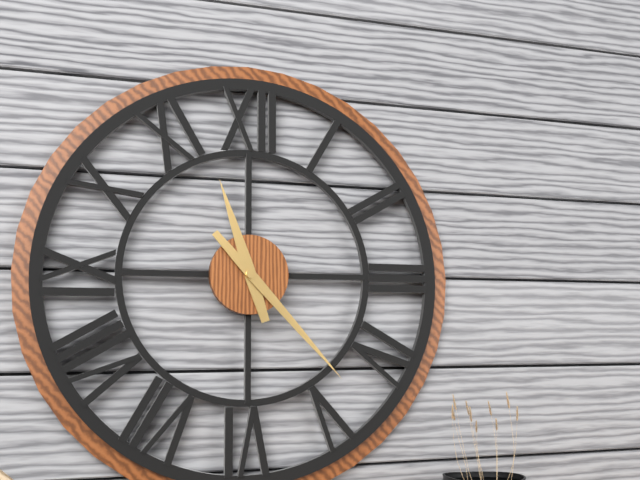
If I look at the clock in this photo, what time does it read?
11:23
